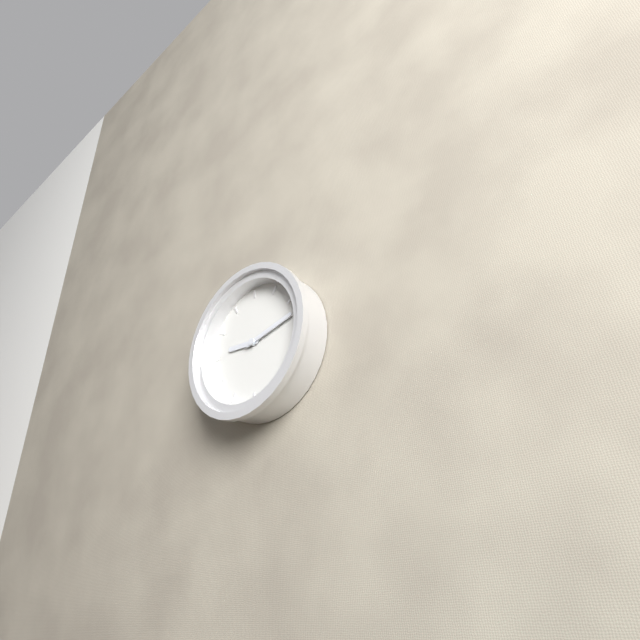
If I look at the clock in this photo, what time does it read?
9:13
